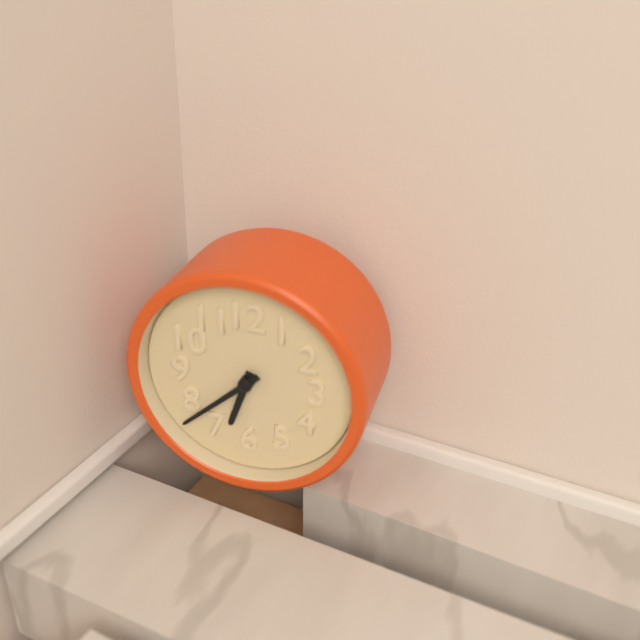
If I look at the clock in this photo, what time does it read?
6:38
